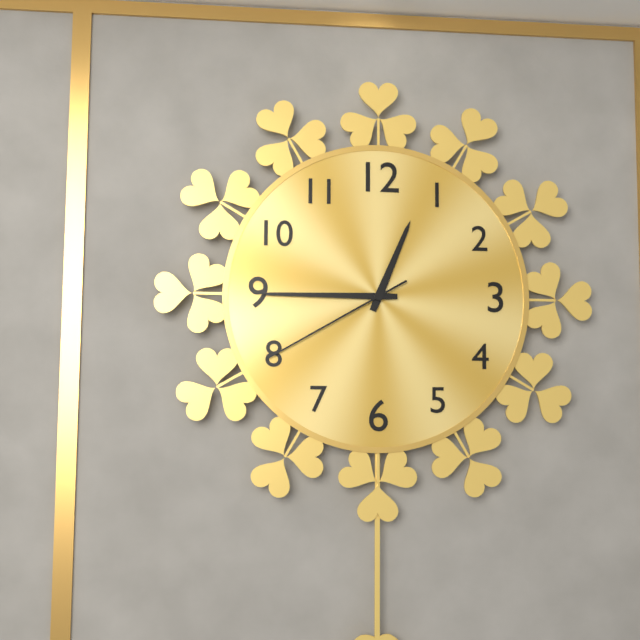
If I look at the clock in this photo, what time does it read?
12:45:40
